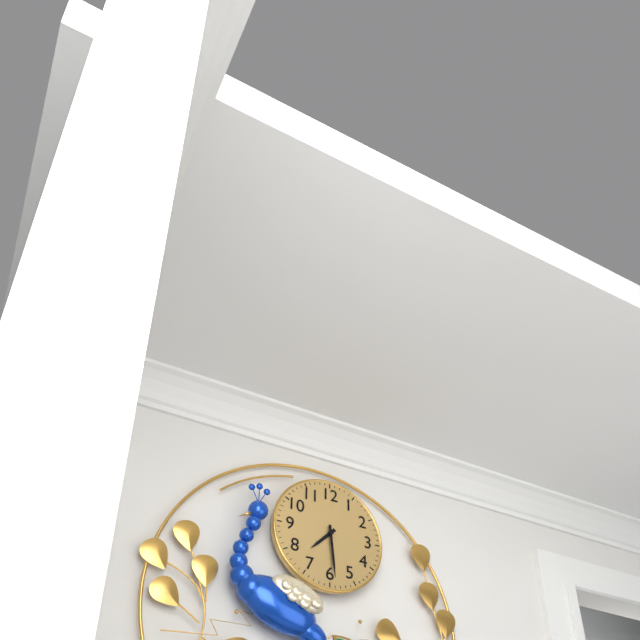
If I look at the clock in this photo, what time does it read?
7:29
